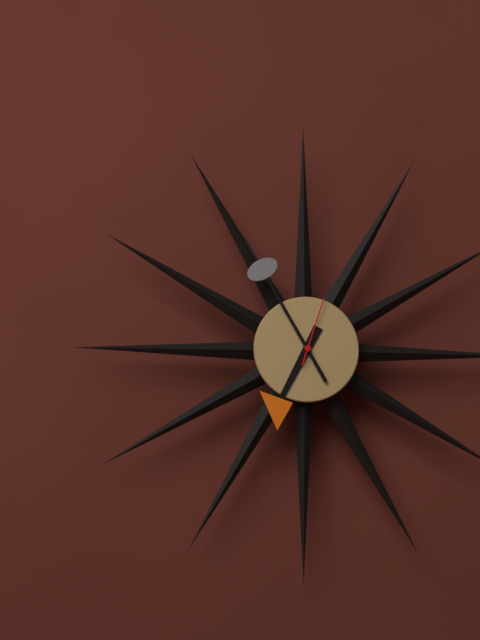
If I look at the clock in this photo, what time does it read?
6:55:03
